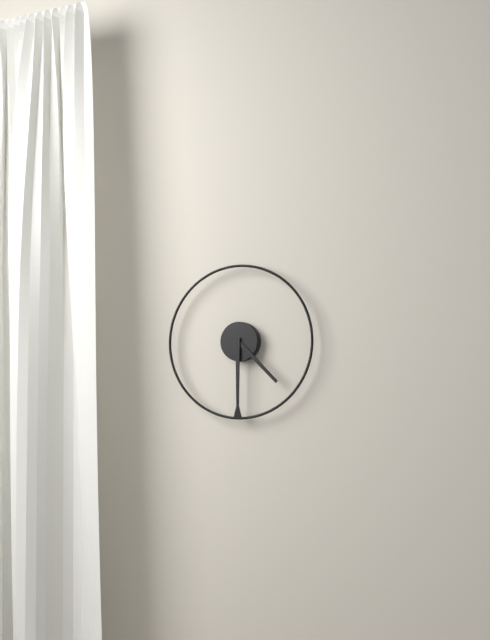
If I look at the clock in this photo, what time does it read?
4:30
